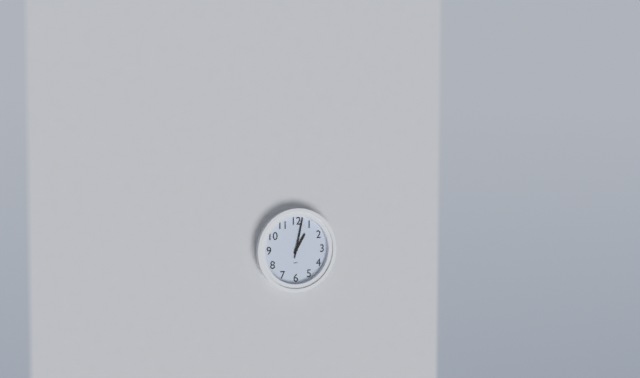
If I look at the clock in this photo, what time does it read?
1:02
